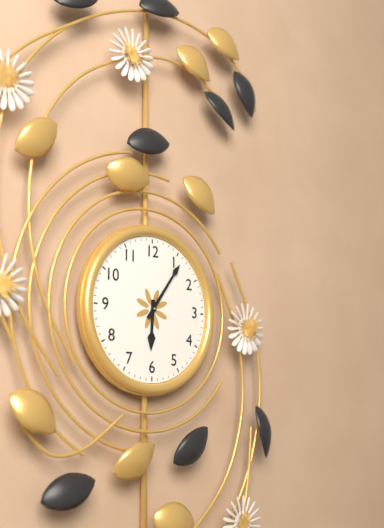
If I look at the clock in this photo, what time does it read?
6:06
